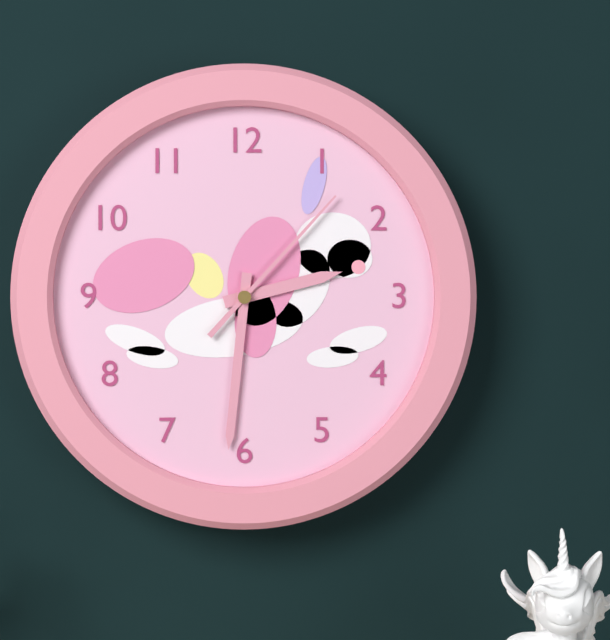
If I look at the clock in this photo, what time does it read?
2:31:07
